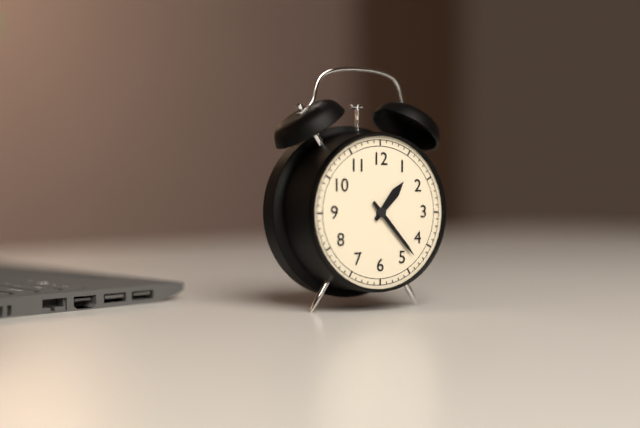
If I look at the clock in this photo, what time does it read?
1:23
